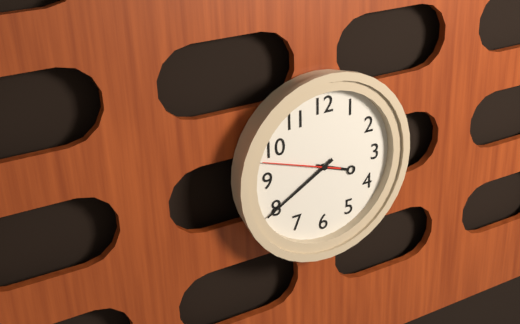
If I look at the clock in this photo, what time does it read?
3:40:48
